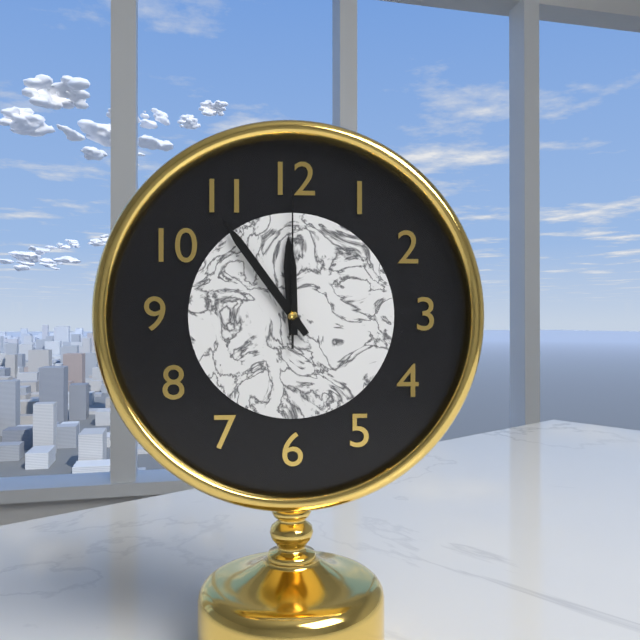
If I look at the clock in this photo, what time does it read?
11:54:00
